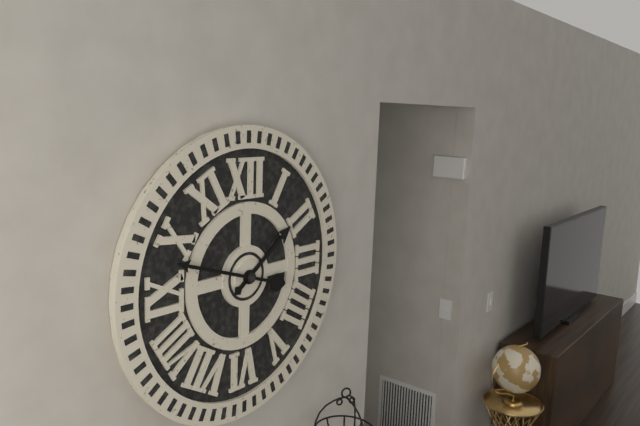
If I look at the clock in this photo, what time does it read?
1:48
